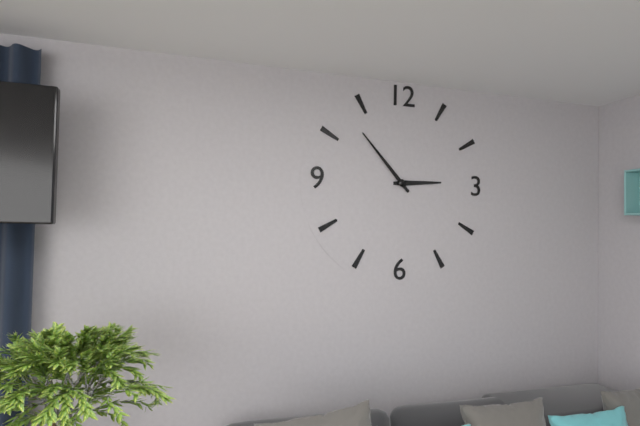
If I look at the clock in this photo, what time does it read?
2:53
